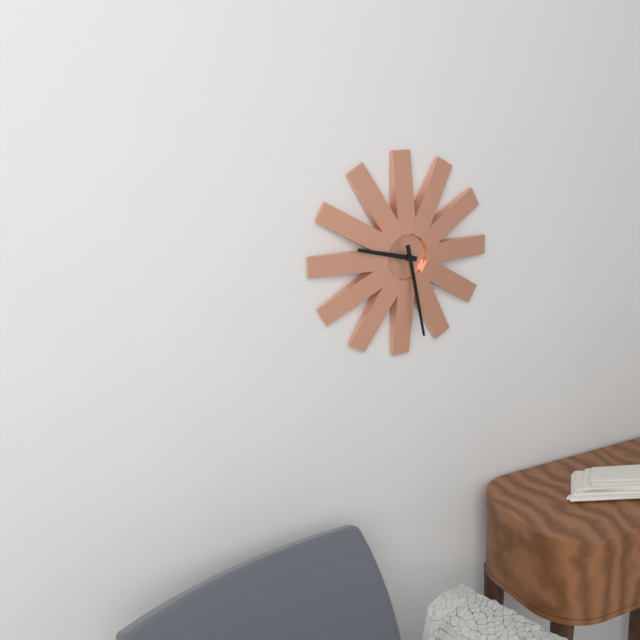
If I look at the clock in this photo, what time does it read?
9:28
